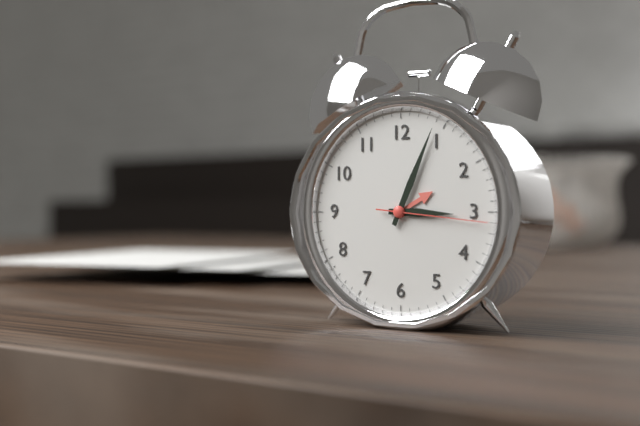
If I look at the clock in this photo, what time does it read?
3:04:16
